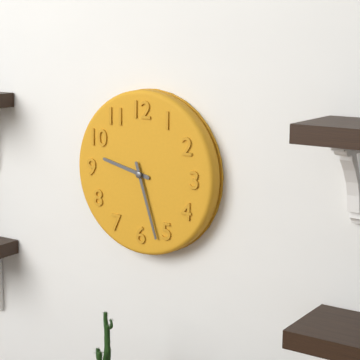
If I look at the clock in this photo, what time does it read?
9:27
